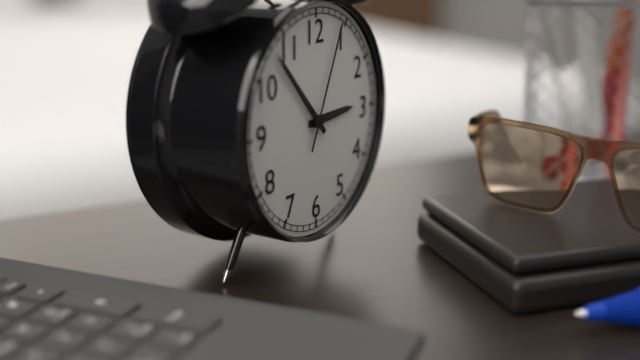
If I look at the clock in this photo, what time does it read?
2:53:04
